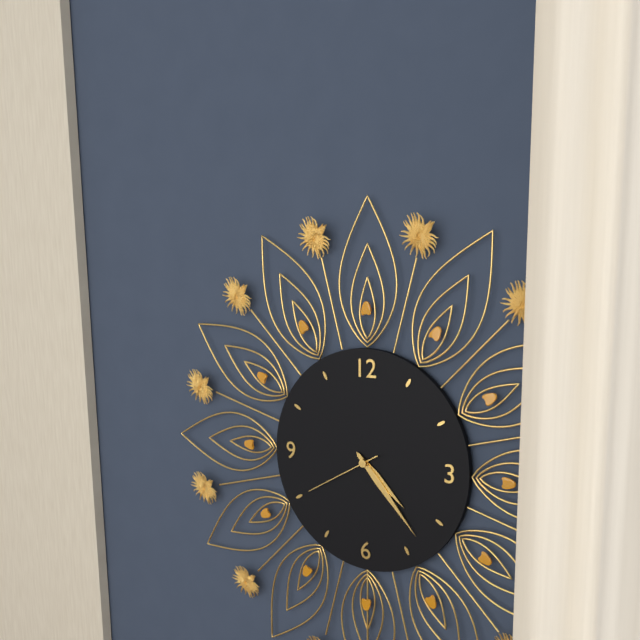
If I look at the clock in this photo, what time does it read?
4:23:40
